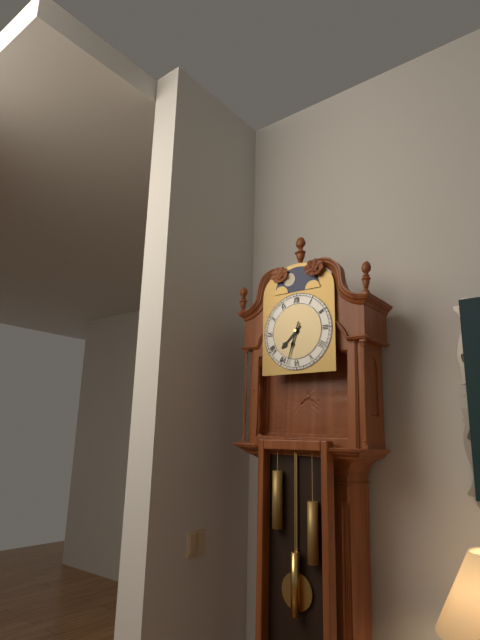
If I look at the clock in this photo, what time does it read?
7:33
